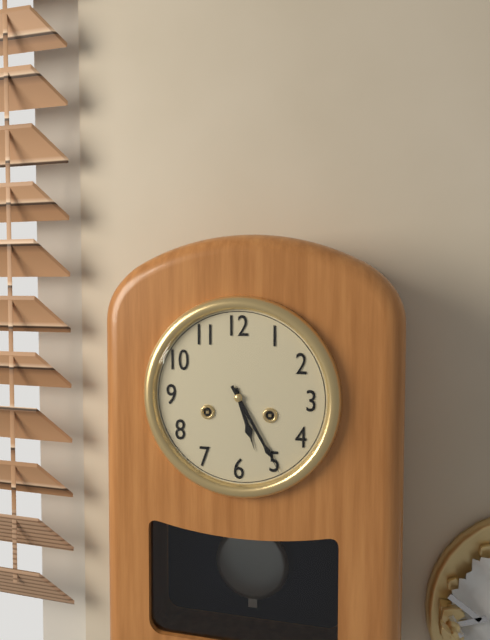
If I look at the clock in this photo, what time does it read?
5:25
